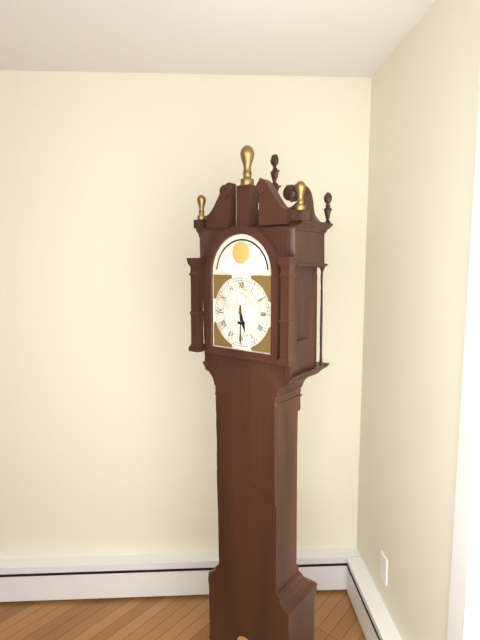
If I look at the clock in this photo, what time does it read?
5:30
